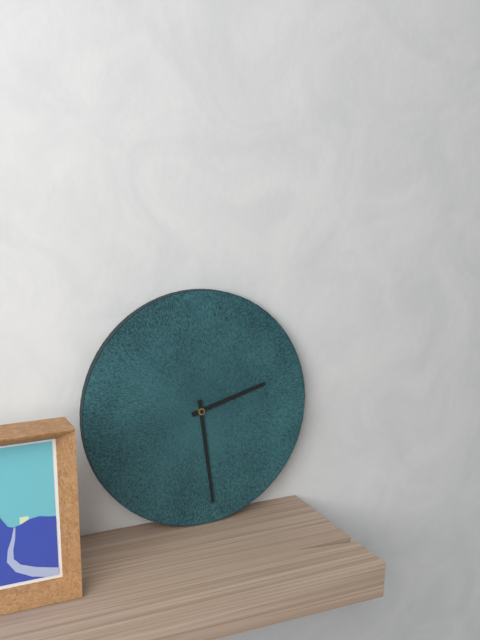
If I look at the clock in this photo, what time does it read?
2:29
